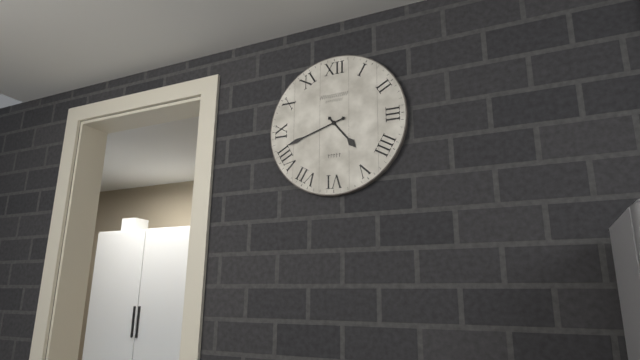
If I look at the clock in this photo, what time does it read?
4:42
